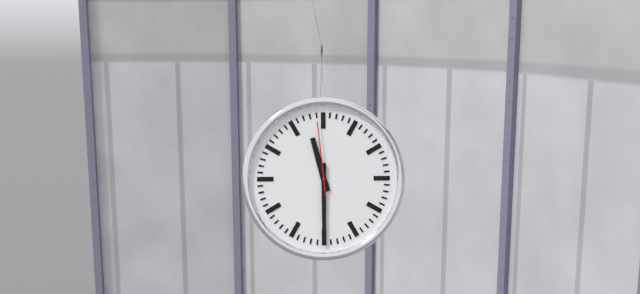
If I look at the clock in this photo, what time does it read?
11:30:59
